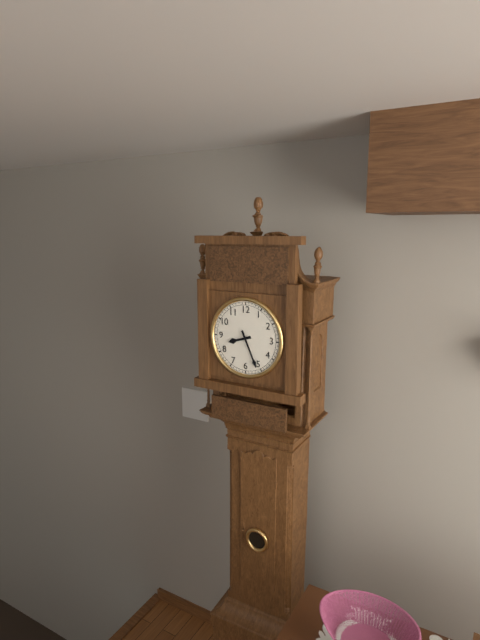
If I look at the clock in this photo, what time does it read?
8:26
